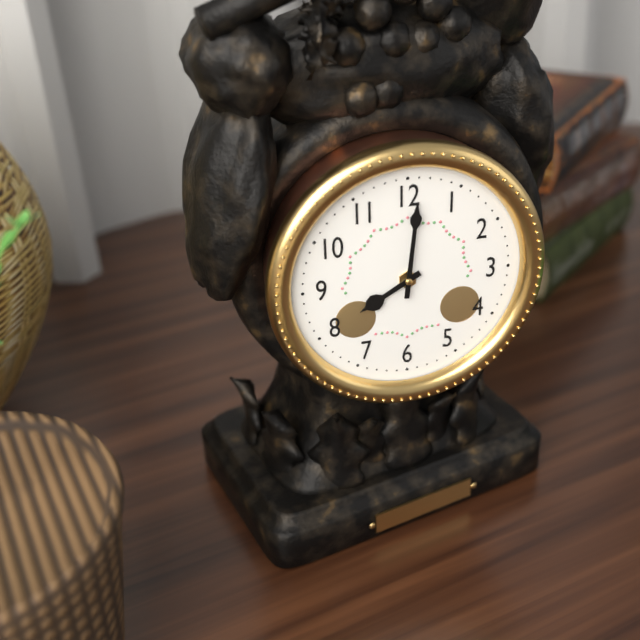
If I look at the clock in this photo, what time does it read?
8:01
